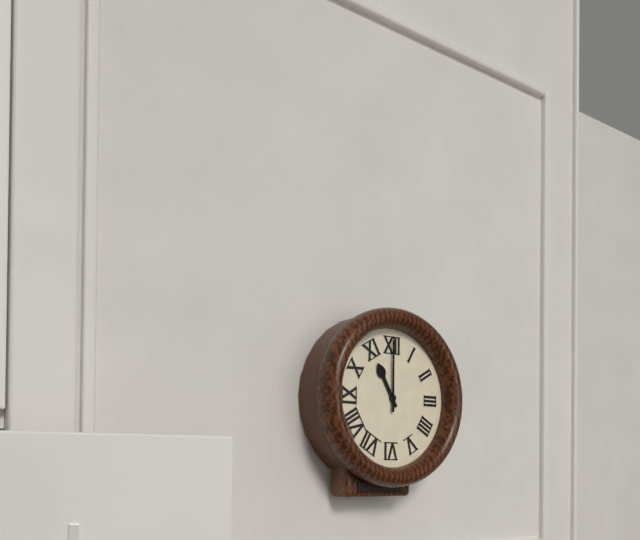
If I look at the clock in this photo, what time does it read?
11:00
